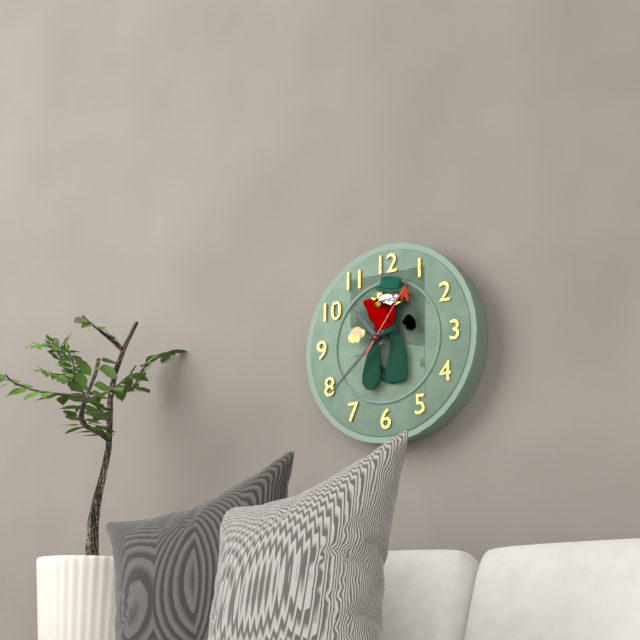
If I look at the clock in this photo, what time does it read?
10:38:06
